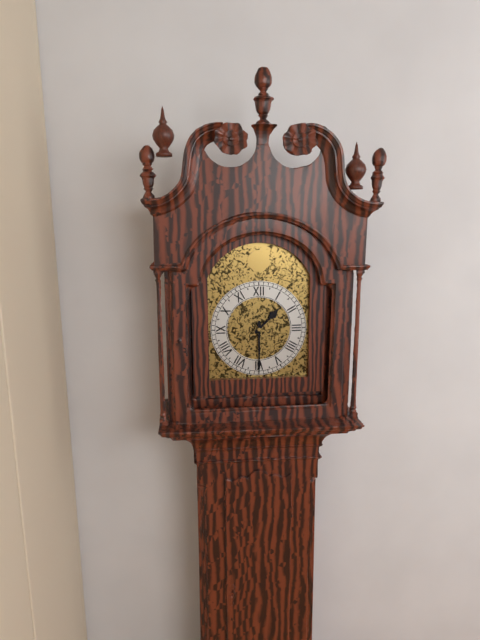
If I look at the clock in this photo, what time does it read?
1:30
